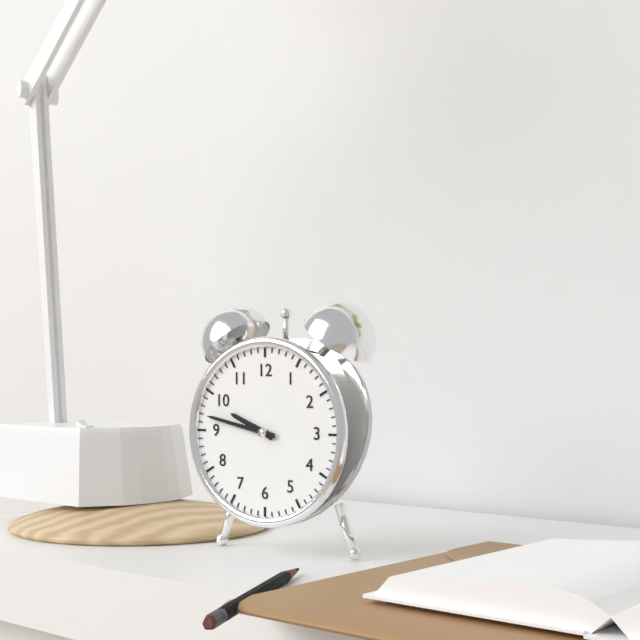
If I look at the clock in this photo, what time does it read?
9:47
